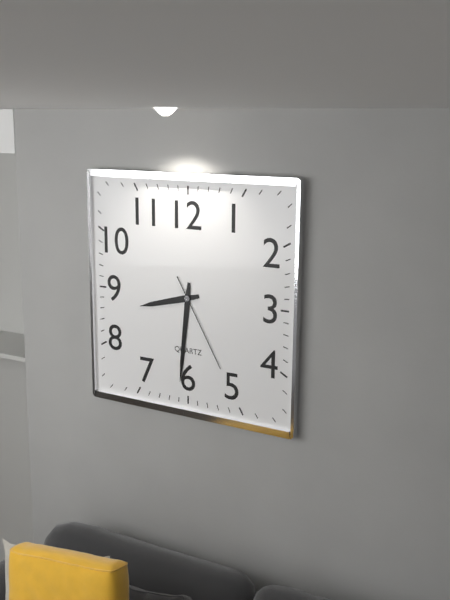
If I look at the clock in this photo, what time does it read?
8:31:25
